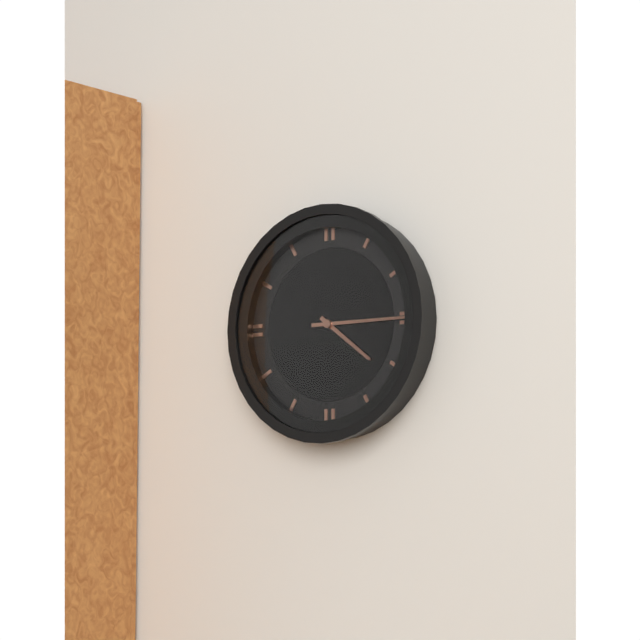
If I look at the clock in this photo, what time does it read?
4:15
